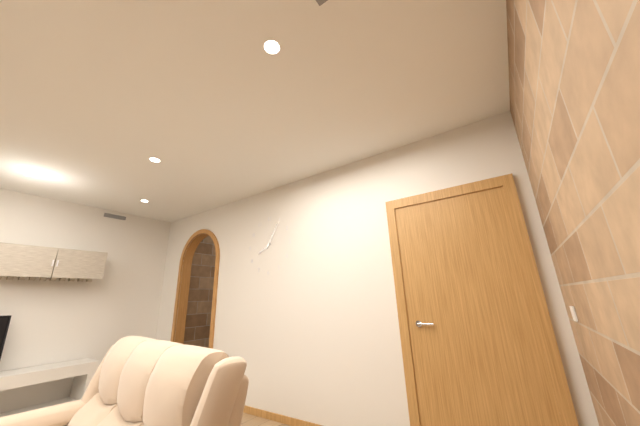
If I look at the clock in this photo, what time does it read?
8:05
